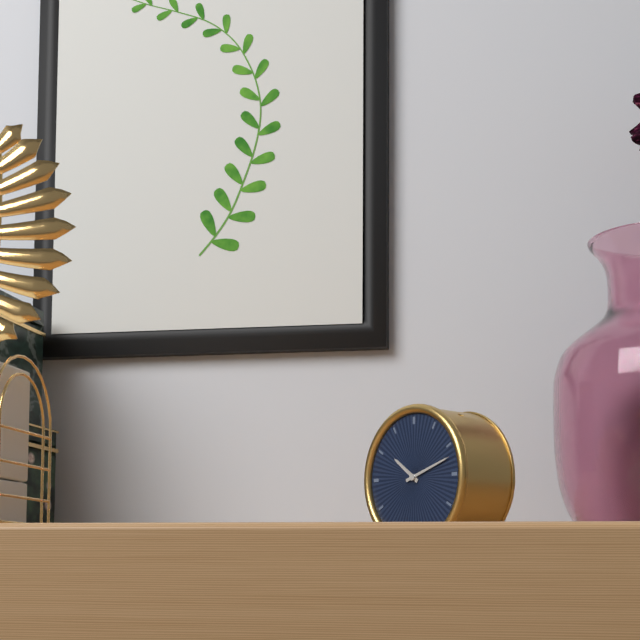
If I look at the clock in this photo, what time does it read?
10:12
